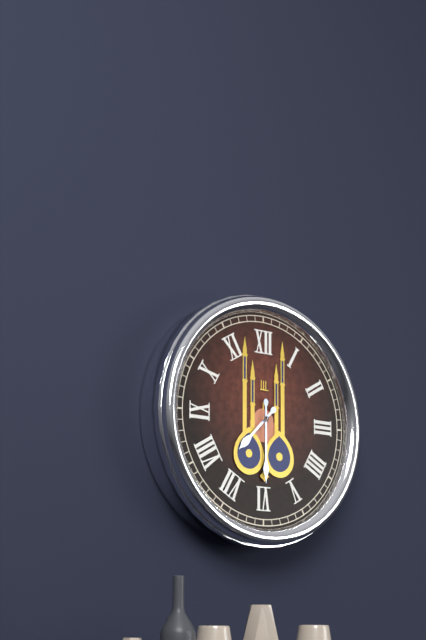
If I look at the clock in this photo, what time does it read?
7:30
